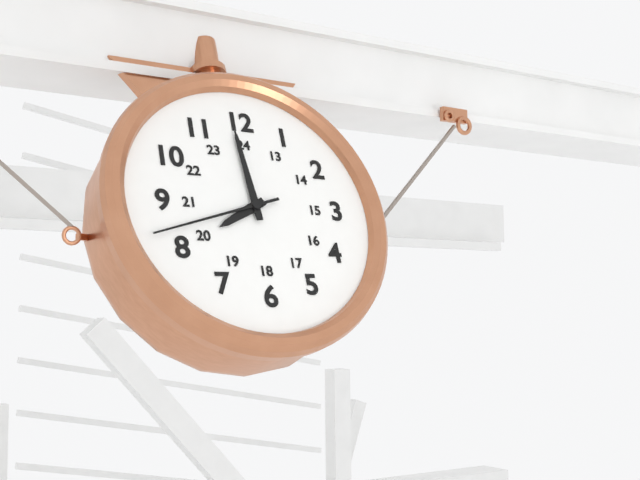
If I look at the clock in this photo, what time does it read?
7:59:42
